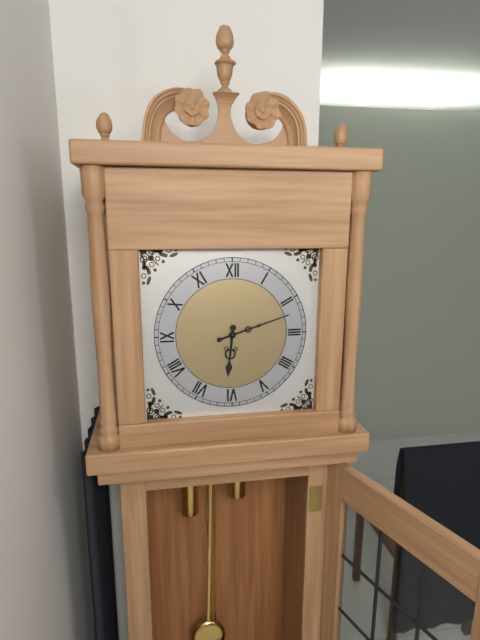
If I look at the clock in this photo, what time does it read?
6:12
